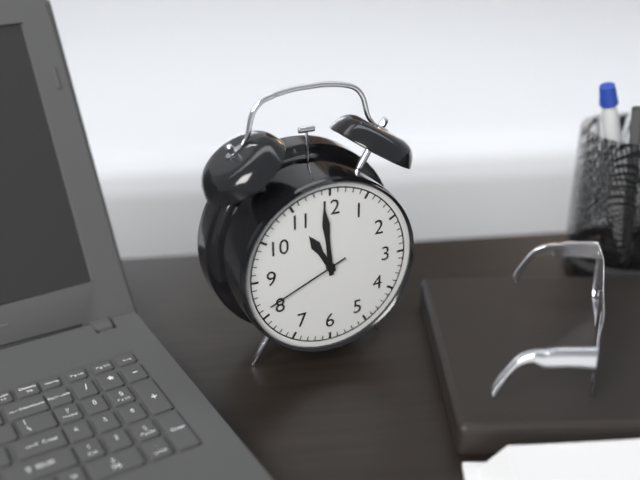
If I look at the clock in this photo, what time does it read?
10:59:41
